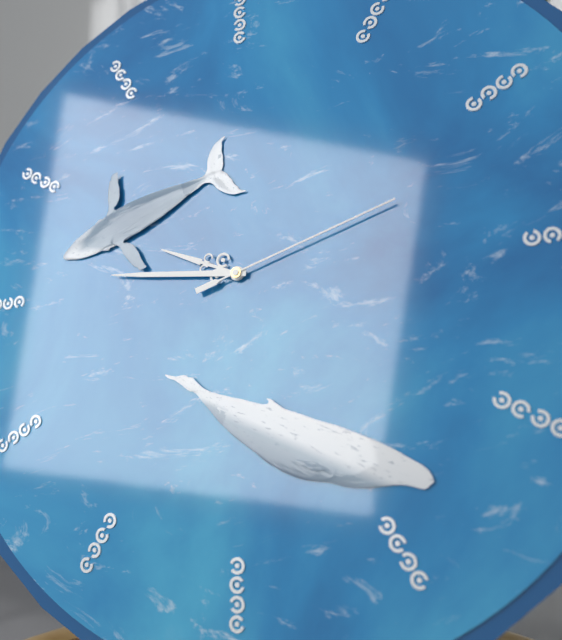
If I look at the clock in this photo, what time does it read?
9:46:12
